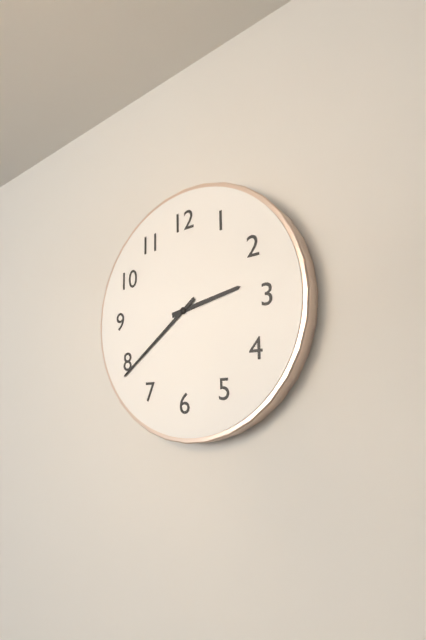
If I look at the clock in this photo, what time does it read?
2:39
